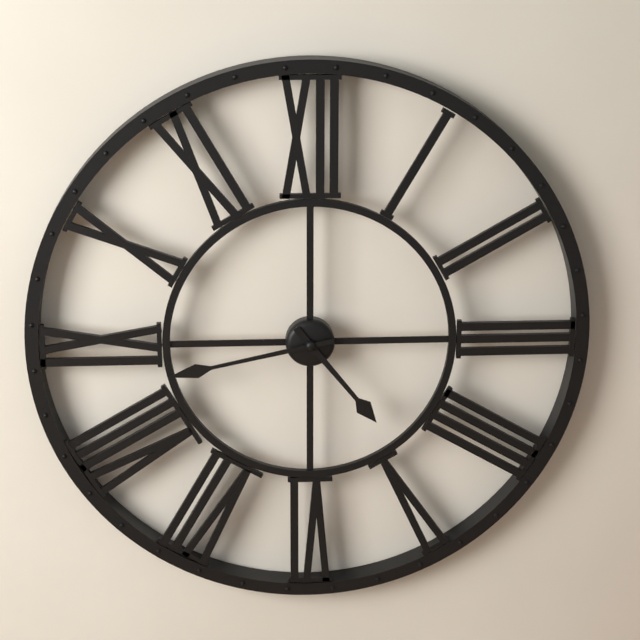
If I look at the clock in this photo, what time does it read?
4:43
